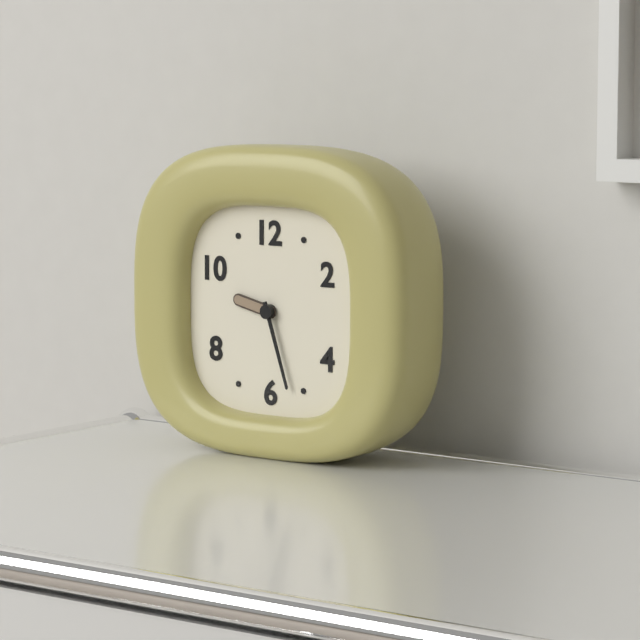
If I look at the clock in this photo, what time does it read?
9:27
